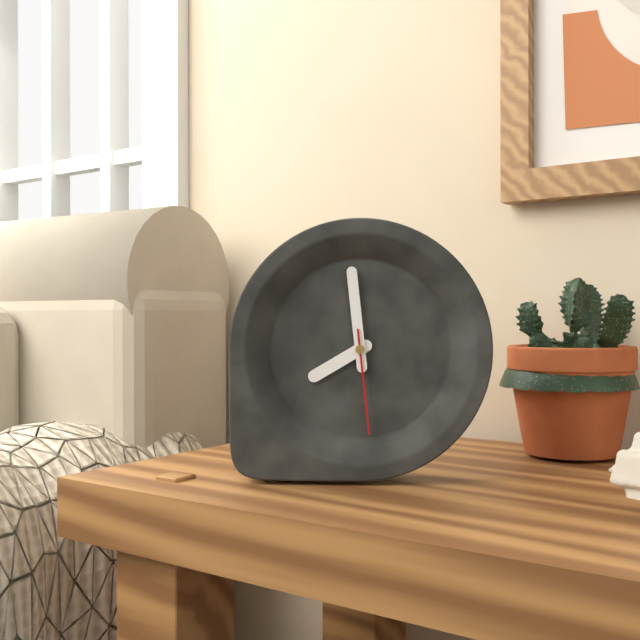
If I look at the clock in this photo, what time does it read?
7:59:29
